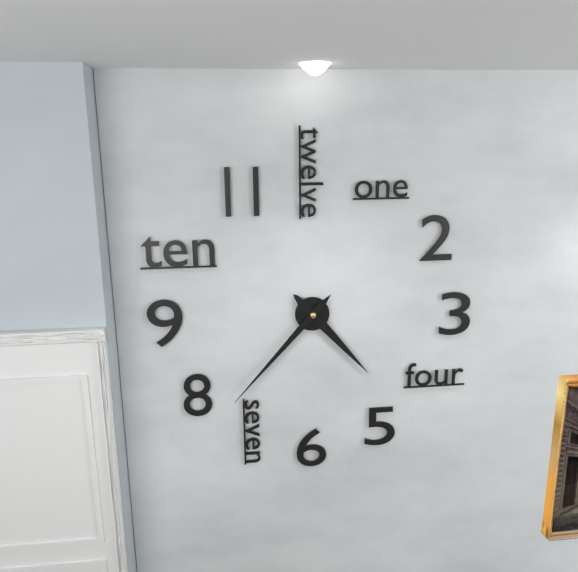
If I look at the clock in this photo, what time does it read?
4:37
